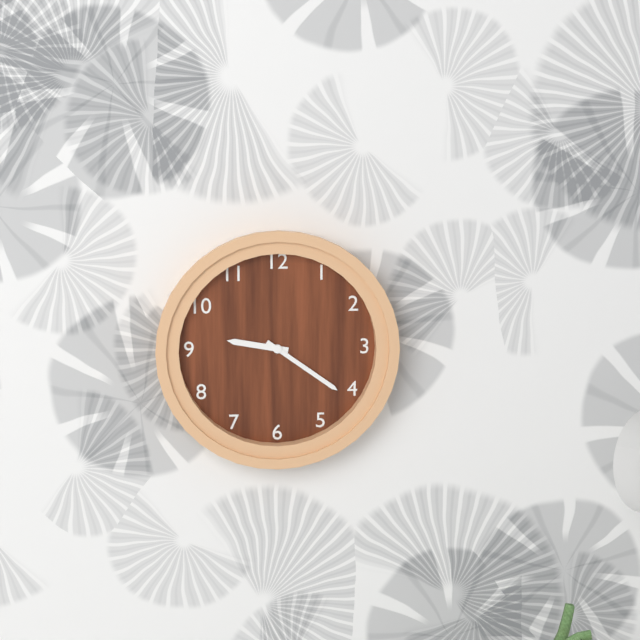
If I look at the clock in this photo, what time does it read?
9:21
